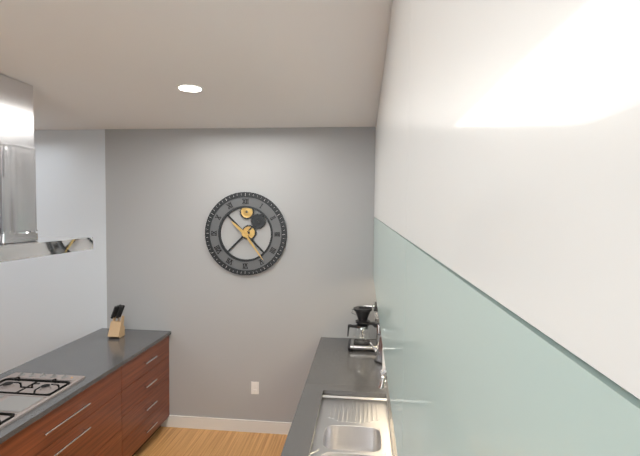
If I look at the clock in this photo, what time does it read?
10:24
